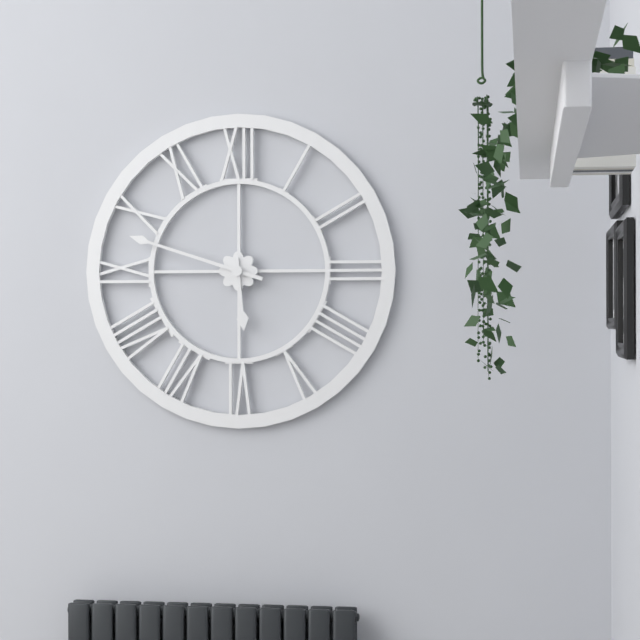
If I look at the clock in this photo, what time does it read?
5:48
